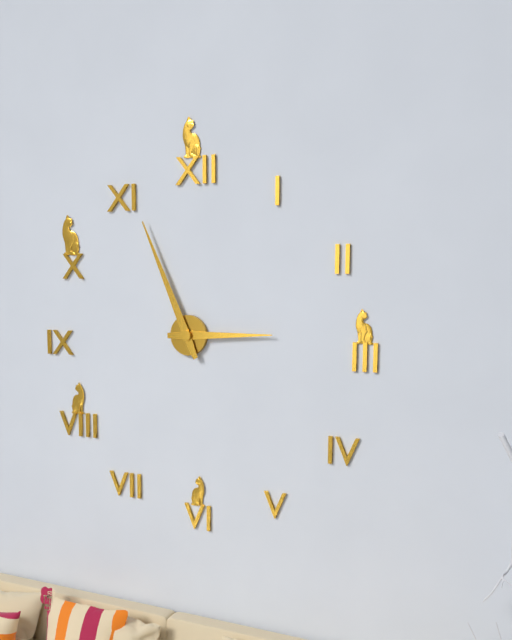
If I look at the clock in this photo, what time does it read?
2:56
